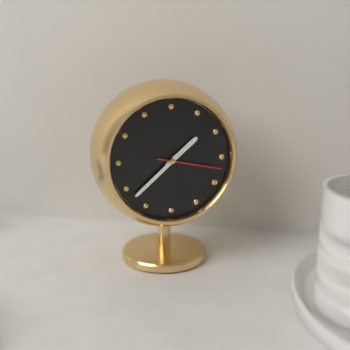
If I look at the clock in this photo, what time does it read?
1:38:17
